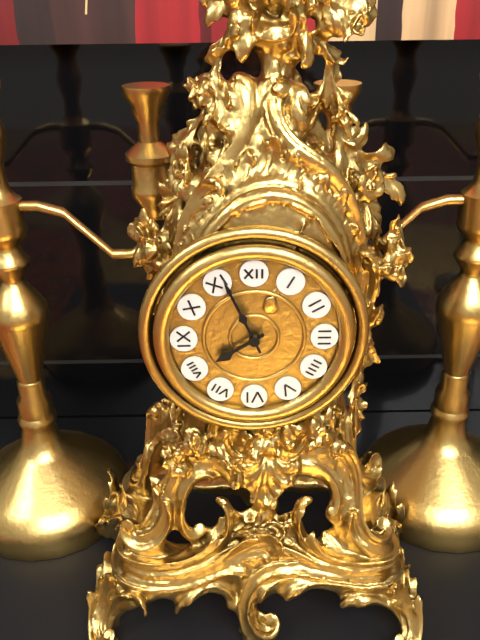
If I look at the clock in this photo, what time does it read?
7:56
